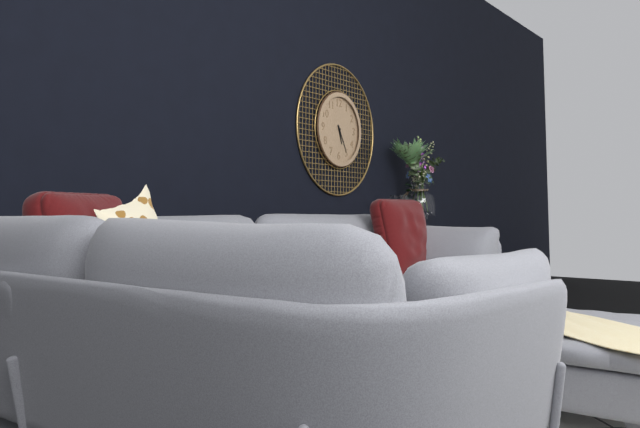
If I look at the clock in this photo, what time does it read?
5:25
